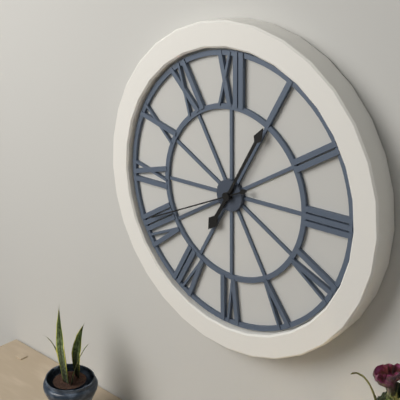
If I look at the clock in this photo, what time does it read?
7:05:41
